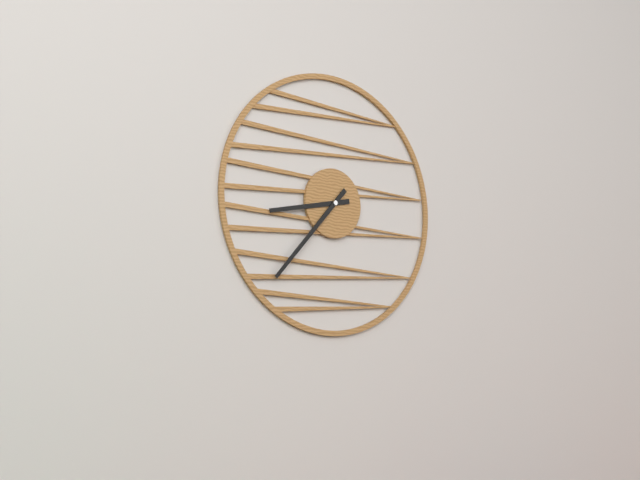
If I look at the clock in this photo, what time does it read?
8:37
